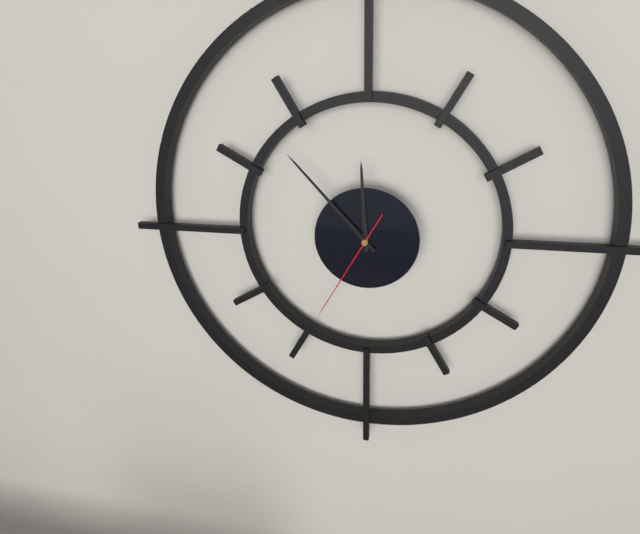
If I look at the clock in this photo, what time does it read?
11:53:35
